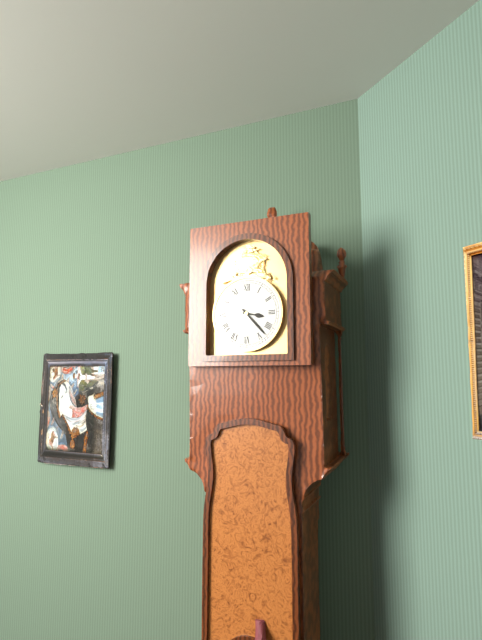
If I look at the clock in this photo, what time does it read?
3:23
